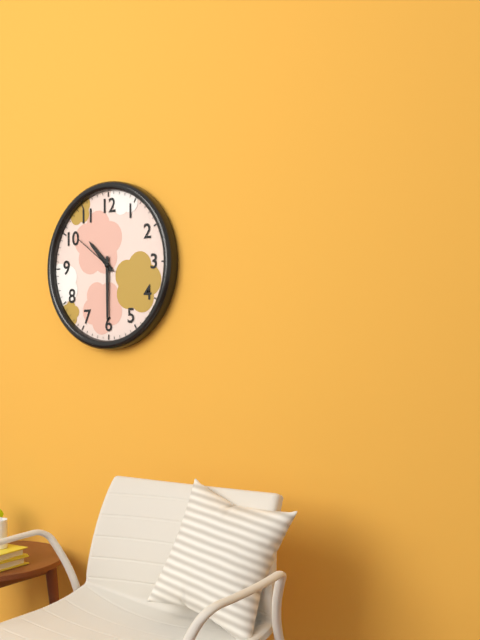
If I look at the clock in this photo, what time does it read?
10:30:51
